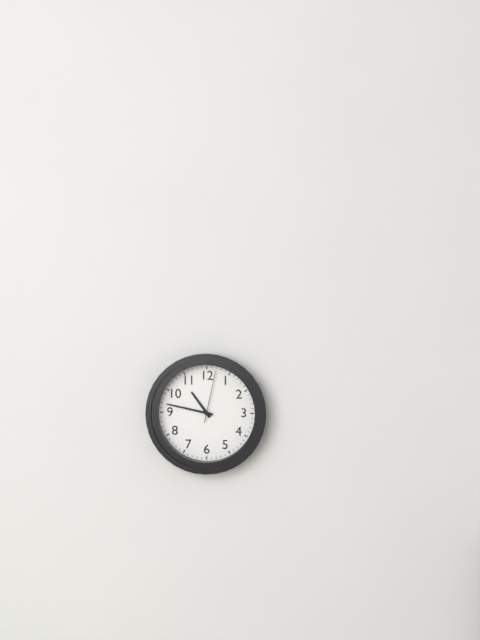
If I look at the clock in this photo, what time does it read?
10:47:02
